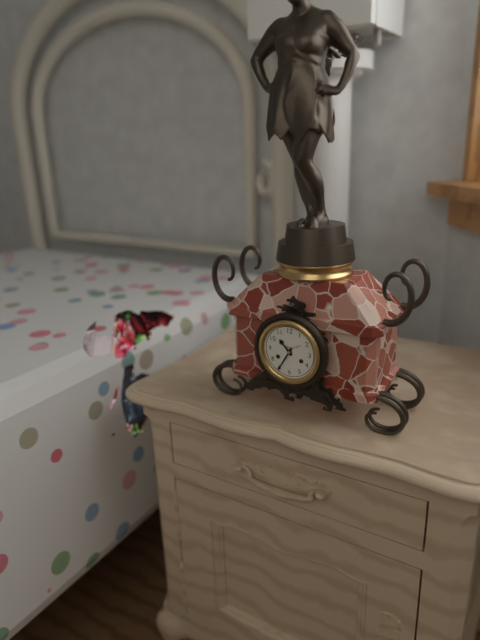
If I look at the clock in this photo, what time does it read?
10:35
